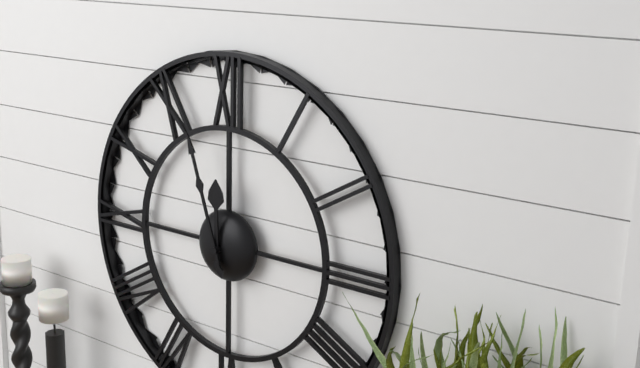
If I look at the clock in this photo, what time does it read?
11:57
